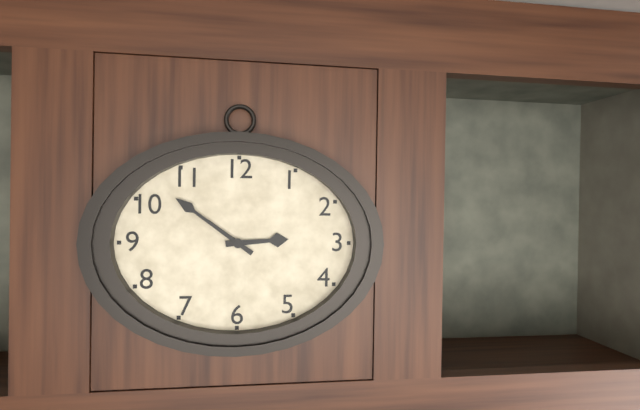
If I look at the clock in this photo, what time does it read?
2:51
